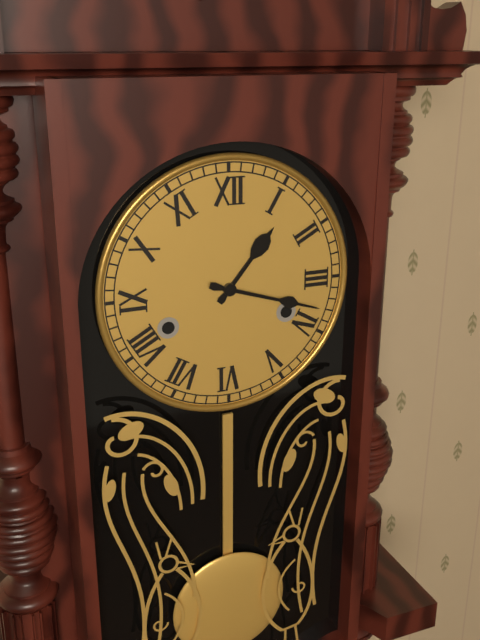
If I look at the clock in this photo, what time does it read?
1:18
